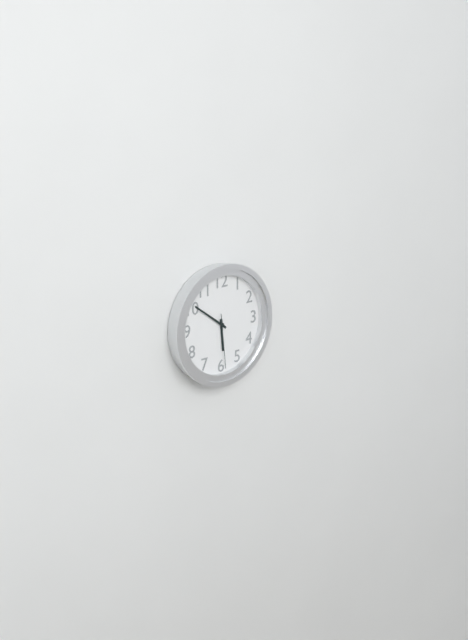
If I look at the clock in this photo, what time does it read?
5:51:29
